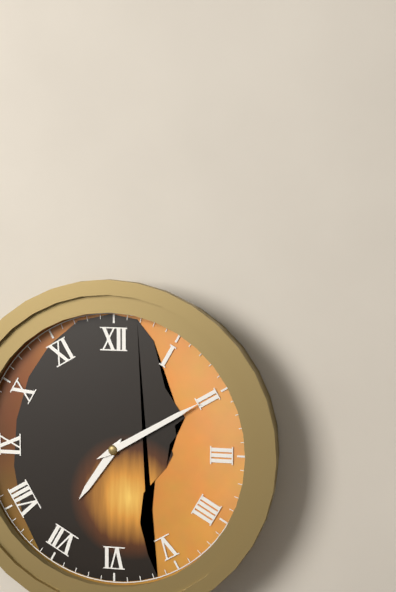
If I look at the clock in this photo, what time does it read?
7:10
